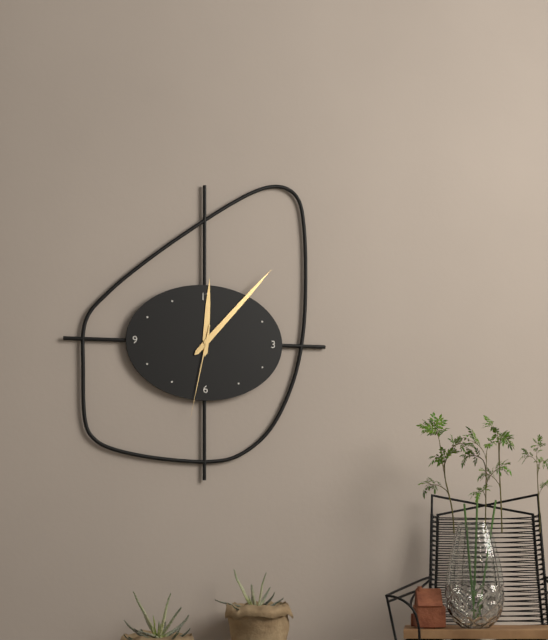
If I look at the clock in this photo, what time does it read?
12:07:32
